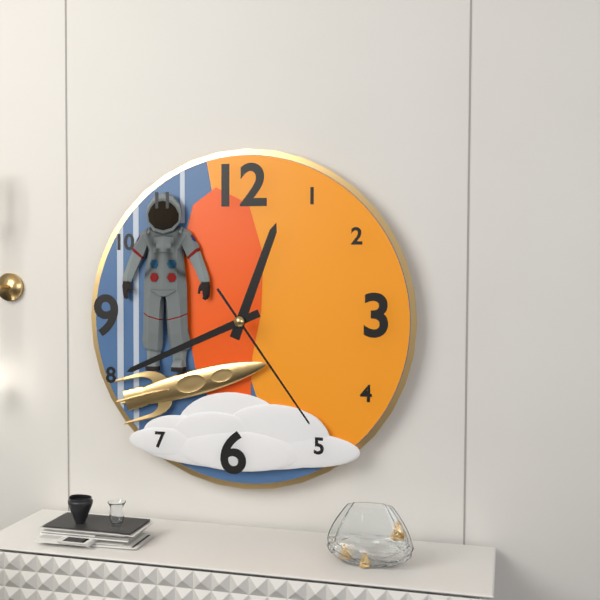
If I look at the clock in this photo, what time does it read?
12:41:24
